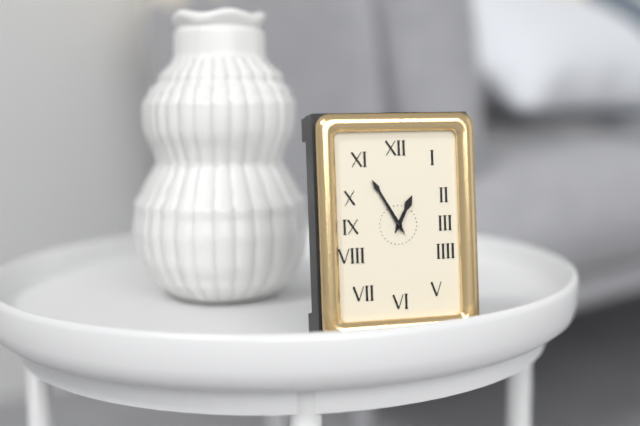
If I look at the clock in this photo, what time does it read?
12:55
